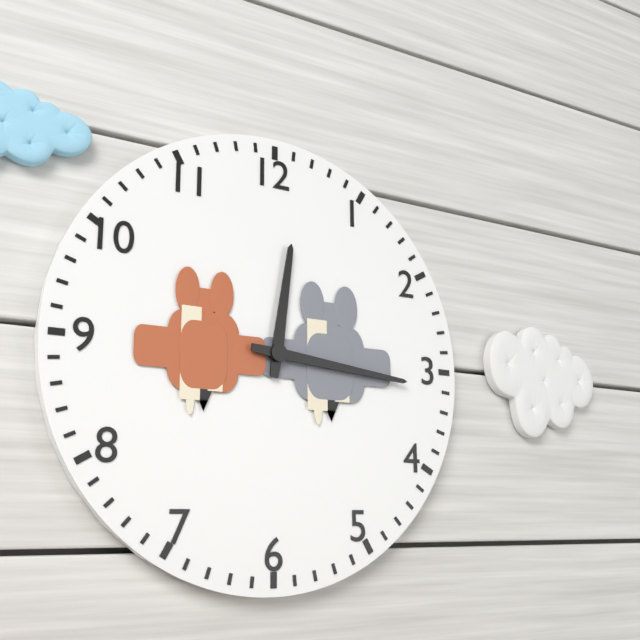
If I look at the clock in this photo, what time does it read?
12:16
